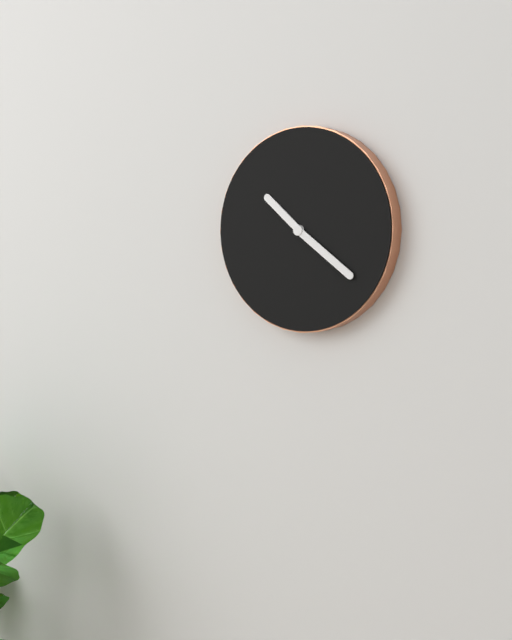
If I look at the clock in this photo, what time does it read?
10:21
